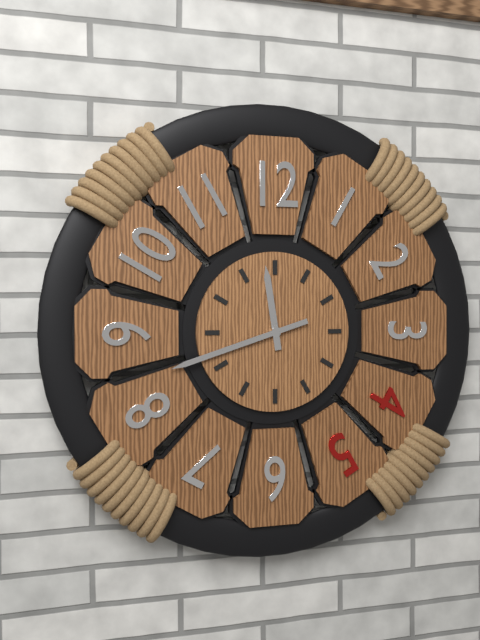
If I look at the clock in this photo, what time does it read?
11:42
